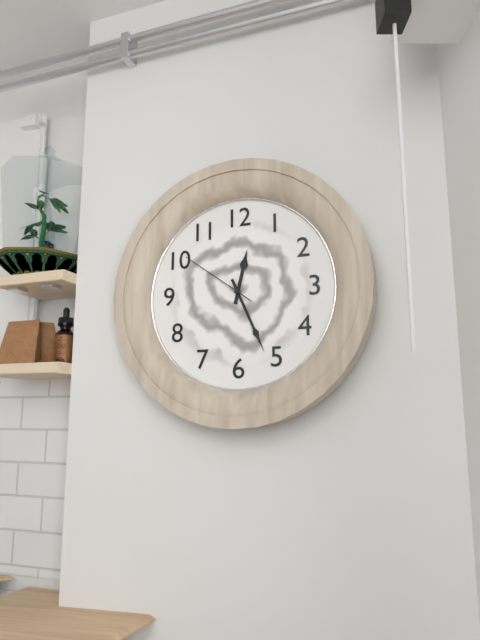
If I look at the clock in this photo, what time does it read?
12:26:51
